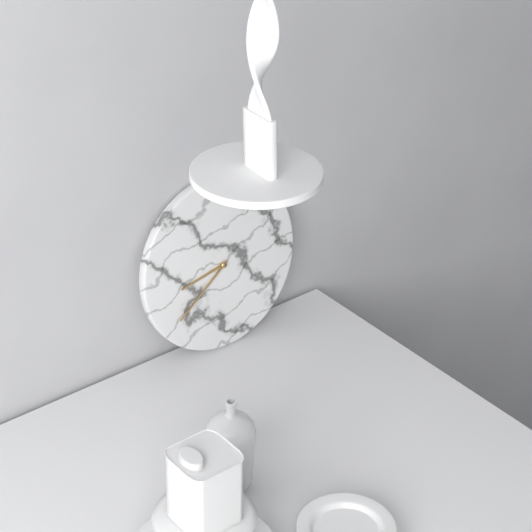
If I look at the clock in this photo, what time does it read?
8:39
